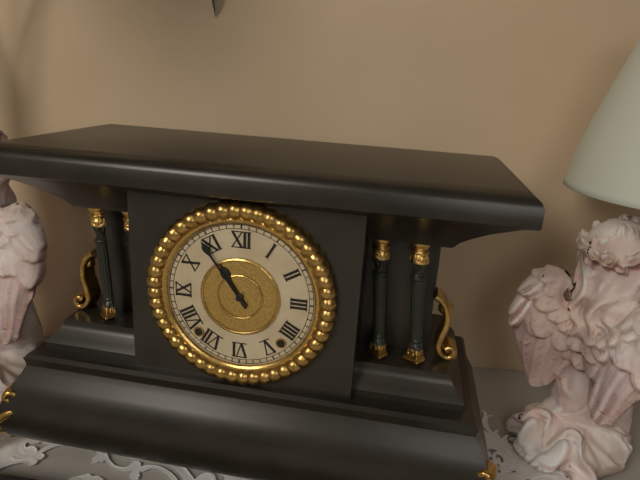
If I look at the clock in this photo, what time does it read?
10:54
